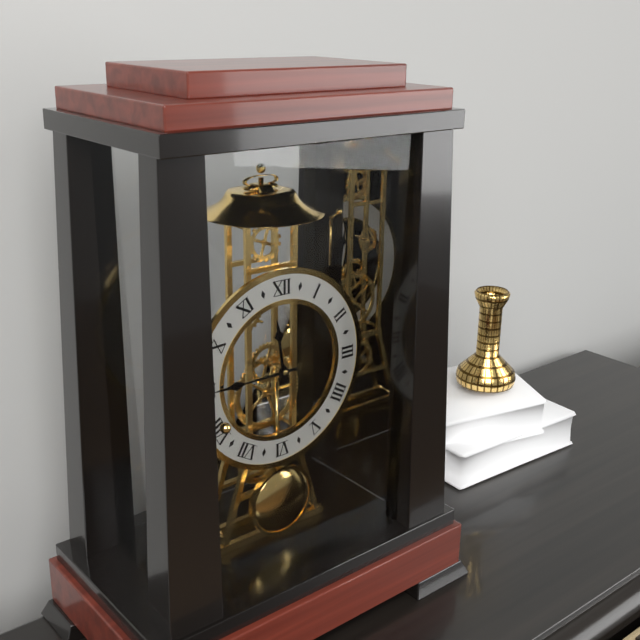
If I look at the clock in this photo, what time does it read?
11:45
